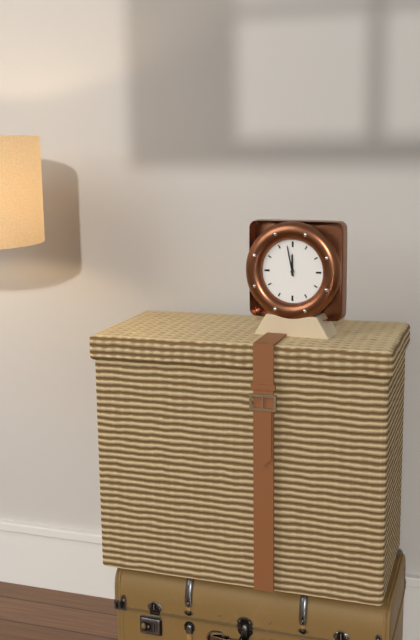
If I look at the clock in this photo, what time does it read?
11:58
